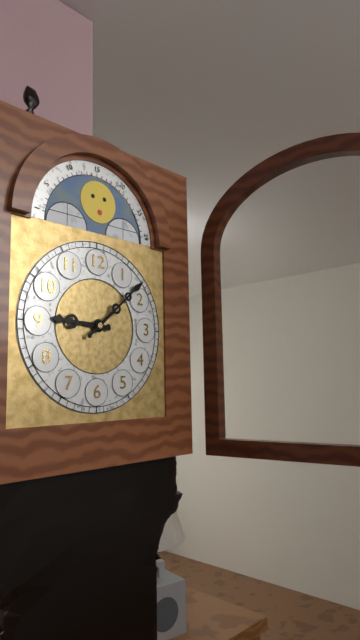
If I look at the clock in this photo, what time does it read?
9:08
